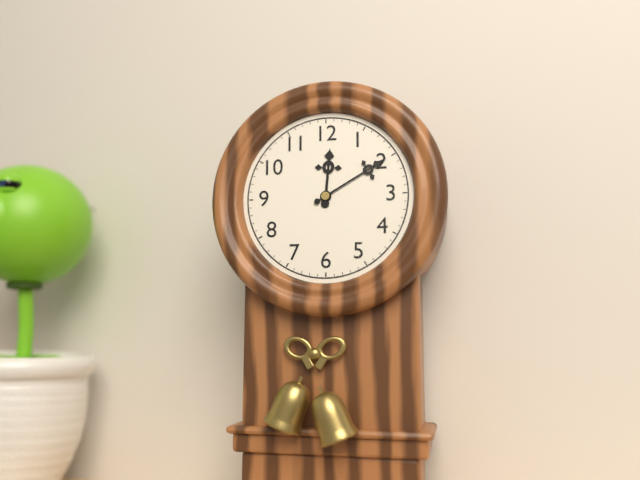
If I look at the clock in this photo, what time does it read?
12:10
